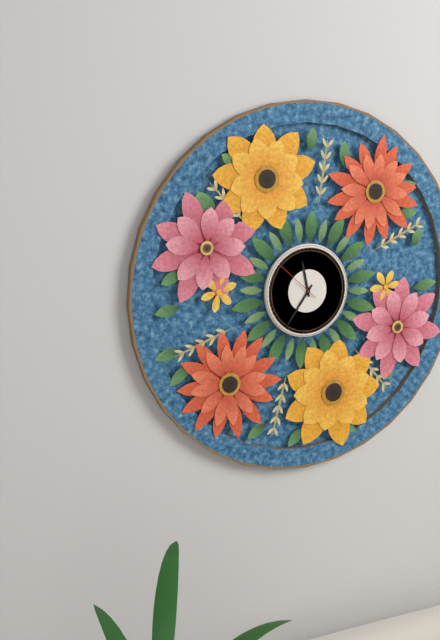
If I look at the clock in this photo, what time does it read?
11:36
